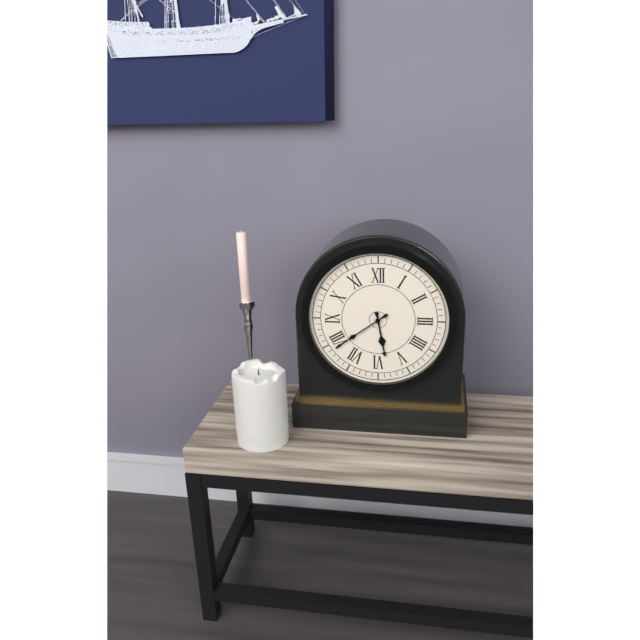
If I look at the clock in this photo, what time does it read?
5:39
